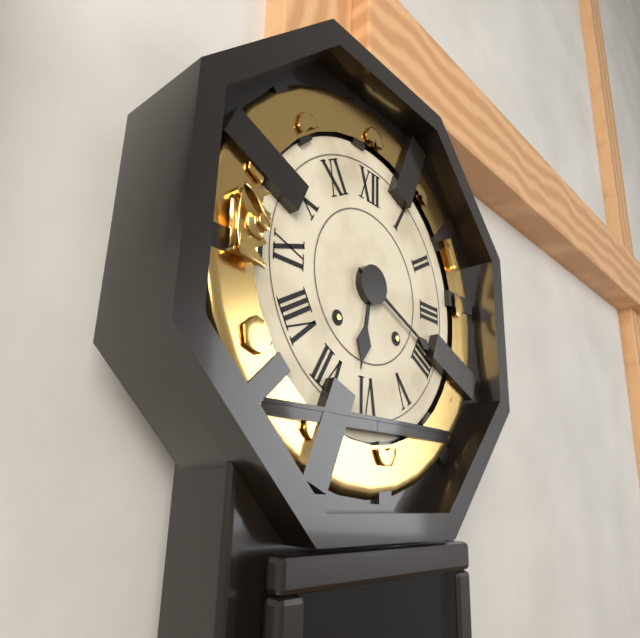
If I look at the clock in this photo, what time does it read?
6:19
